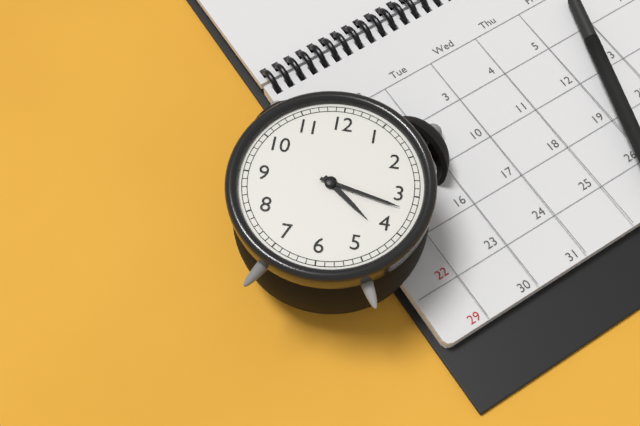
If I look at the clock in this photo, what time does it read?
4:17
